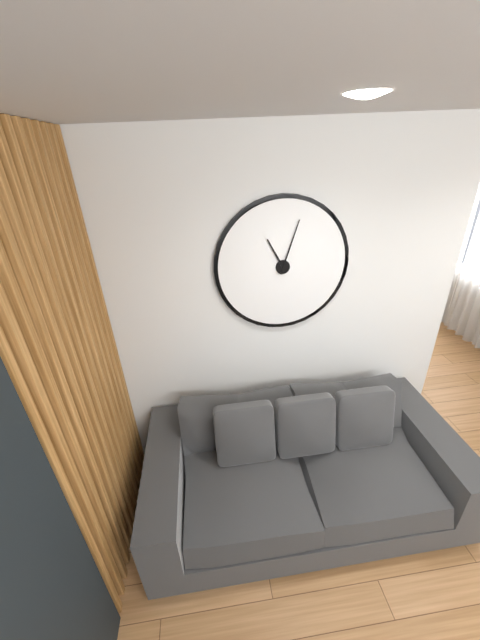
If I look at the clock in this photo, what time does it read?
11:03
